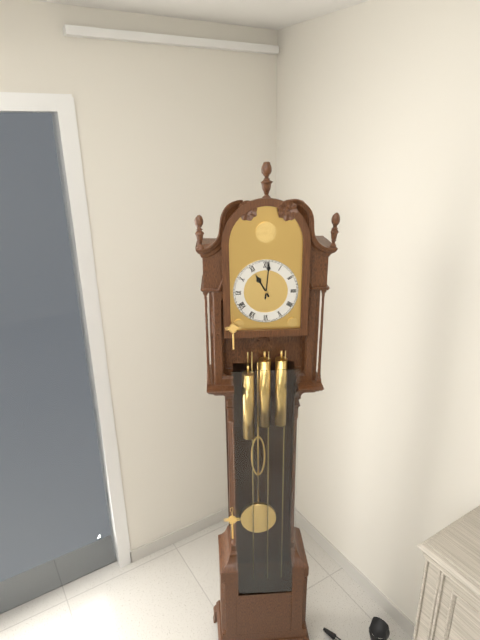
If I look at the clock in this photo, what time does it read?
11:01
